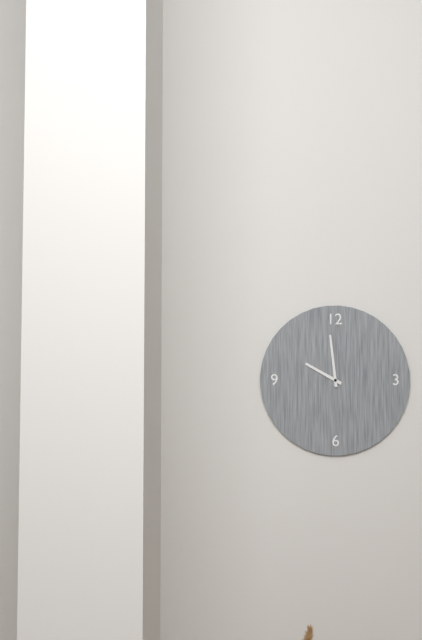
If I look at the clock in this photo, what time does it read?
9:59
